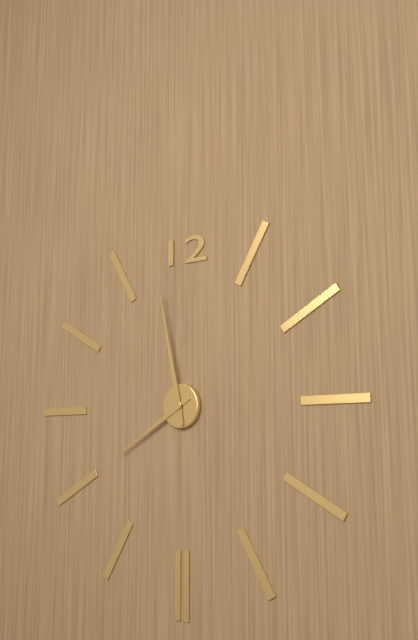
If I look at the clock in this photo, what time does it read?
7:58
